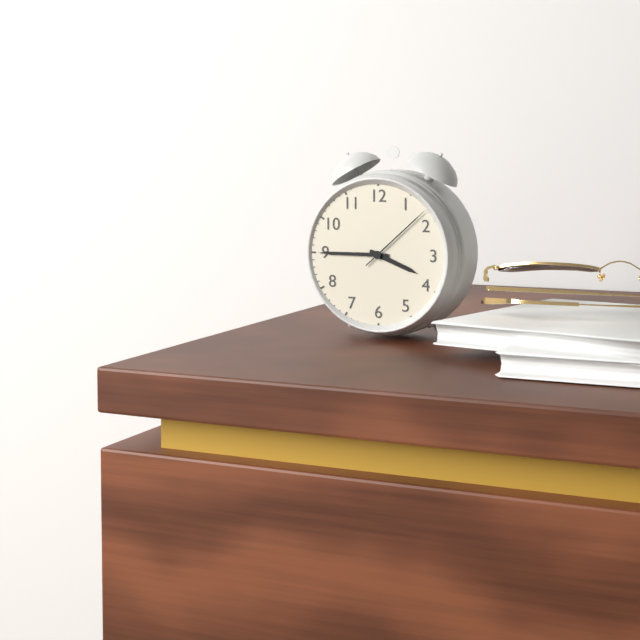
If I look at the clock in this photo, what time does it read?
3:45:08
